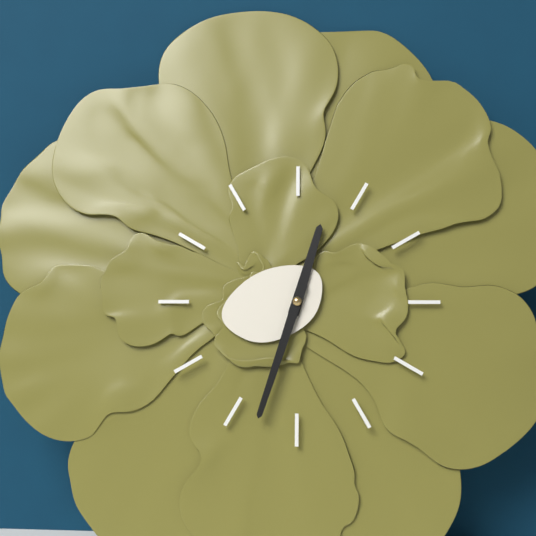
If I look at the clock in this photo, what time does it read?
12:33
